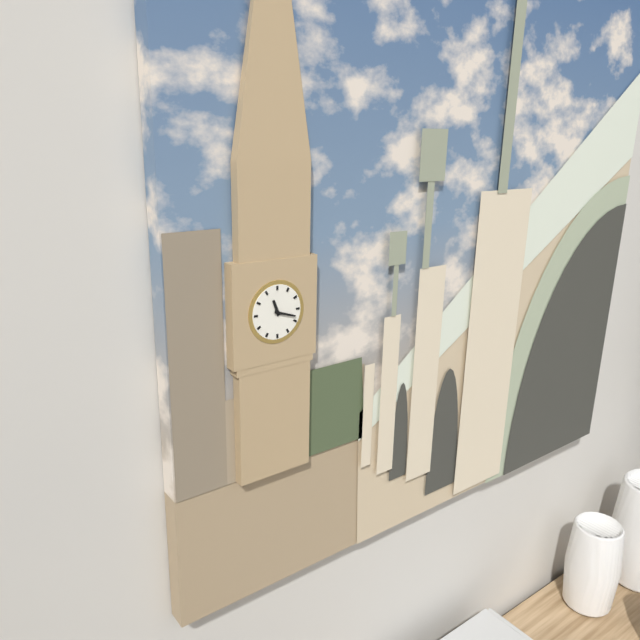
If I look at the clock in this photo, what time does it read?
11:18
